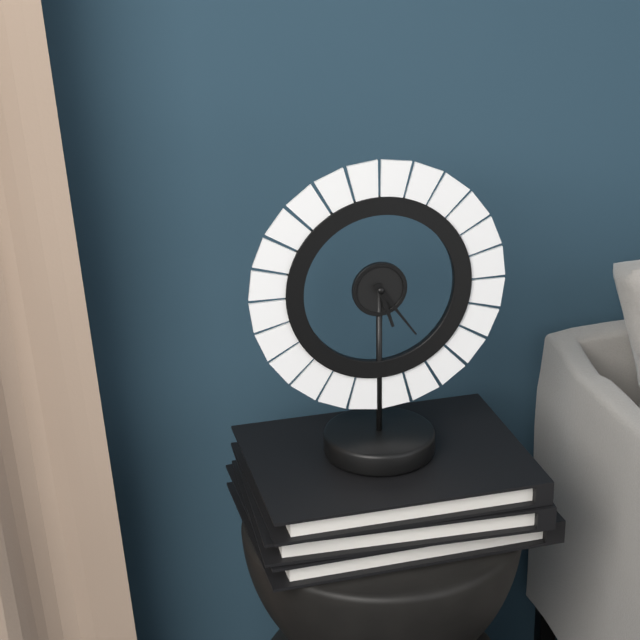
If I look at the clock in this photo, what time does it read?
5:24
